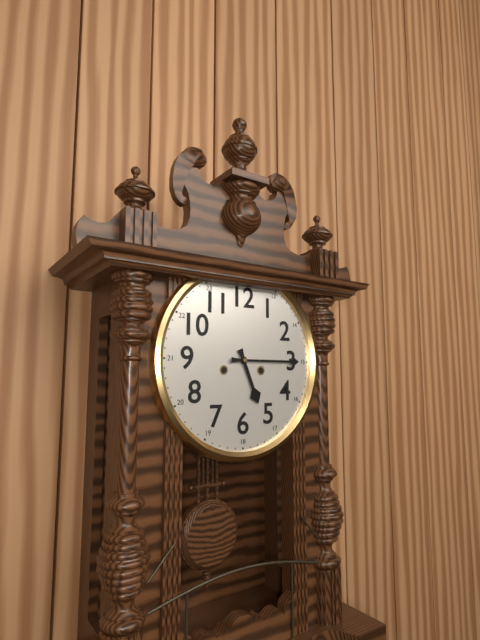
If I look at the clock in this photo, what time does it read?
5:15
